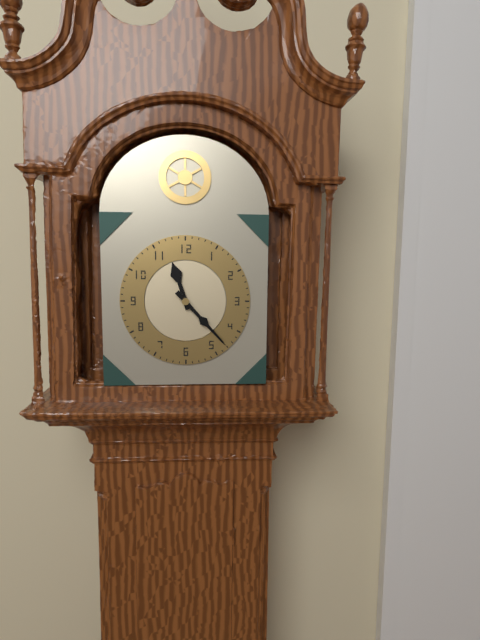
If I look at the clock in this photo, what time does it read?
11:23
